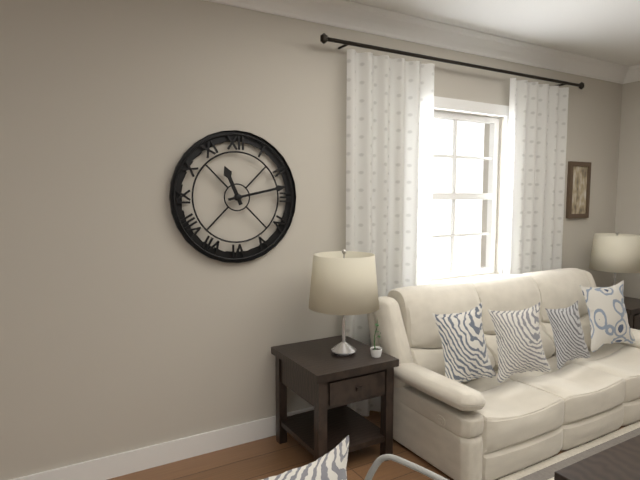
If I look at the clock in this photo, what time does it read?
11:13
